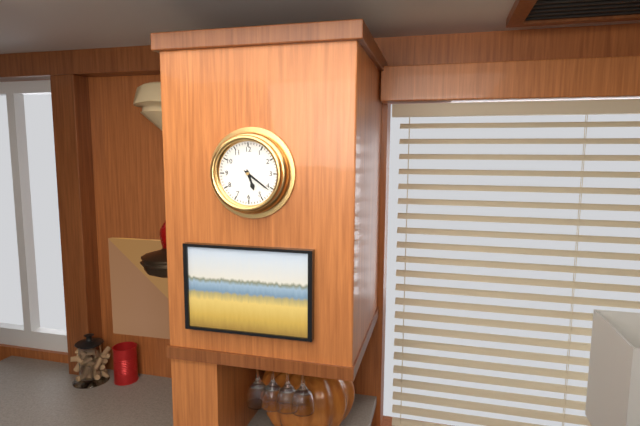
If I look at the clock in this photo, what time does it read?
5:21
